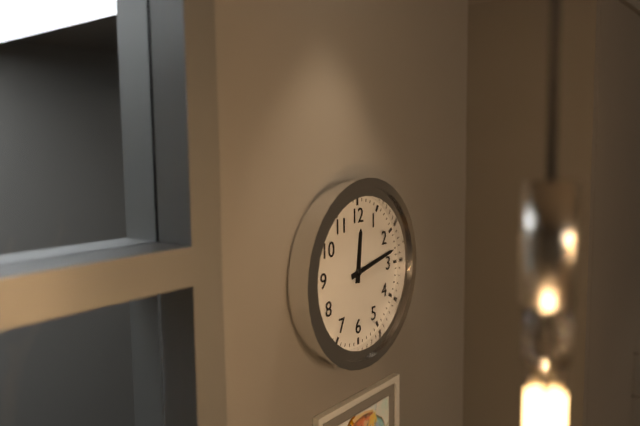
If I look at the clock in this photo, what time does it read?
12:13
